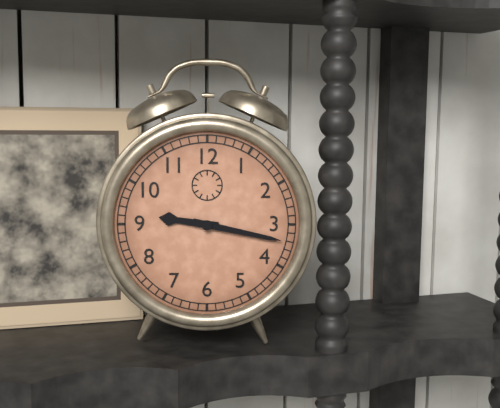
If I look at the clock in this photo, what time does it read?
9:17
